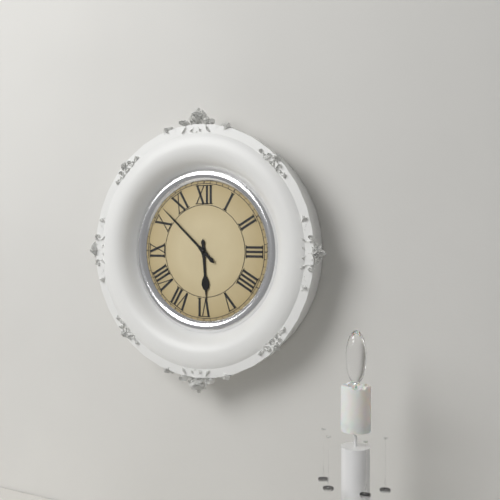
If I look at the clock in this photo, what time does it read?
5:52
